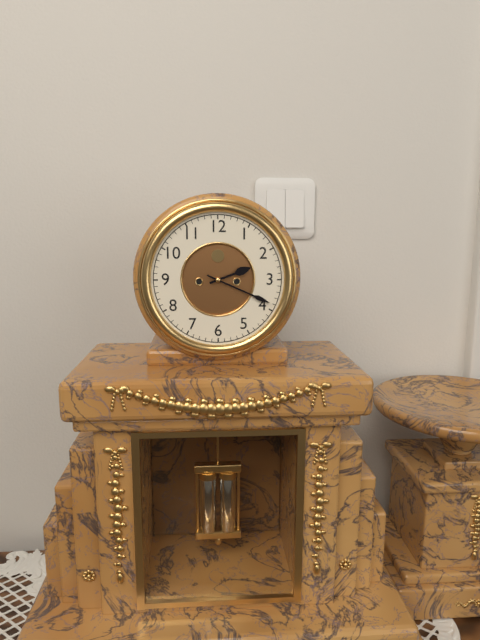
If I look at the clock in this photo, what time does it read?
2:19
